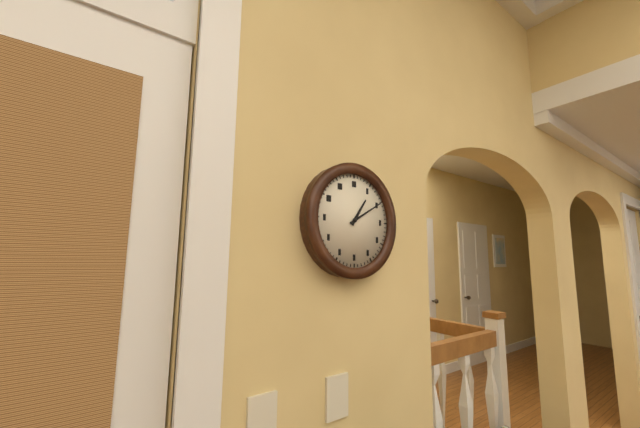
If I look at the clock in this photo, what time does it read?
1:10
